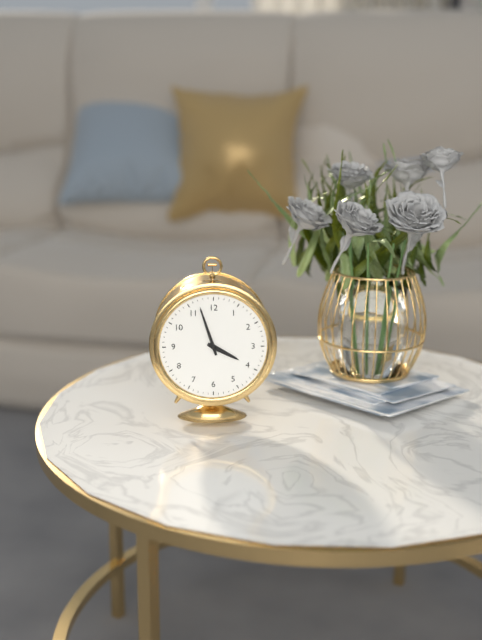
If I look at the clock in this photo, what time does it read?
3:57
